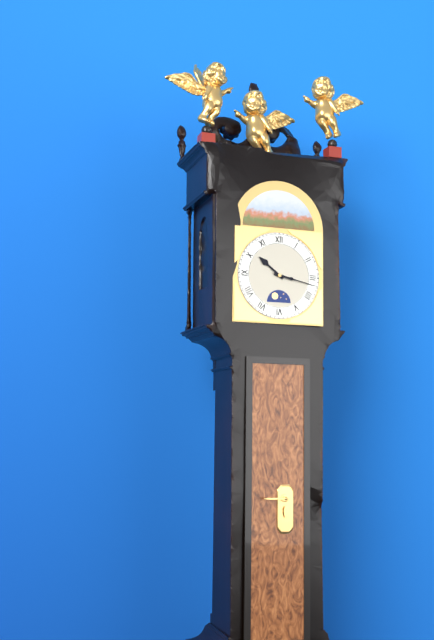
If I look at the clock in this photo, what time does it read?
10:17
